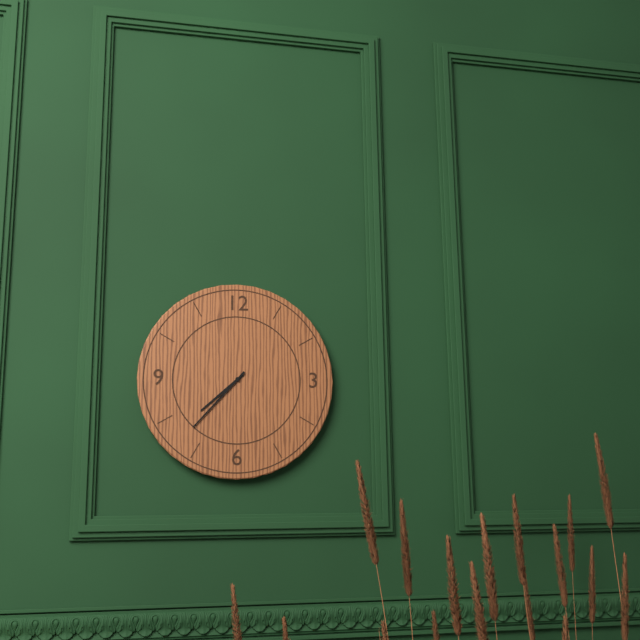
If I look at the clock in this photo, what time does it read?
7:37
